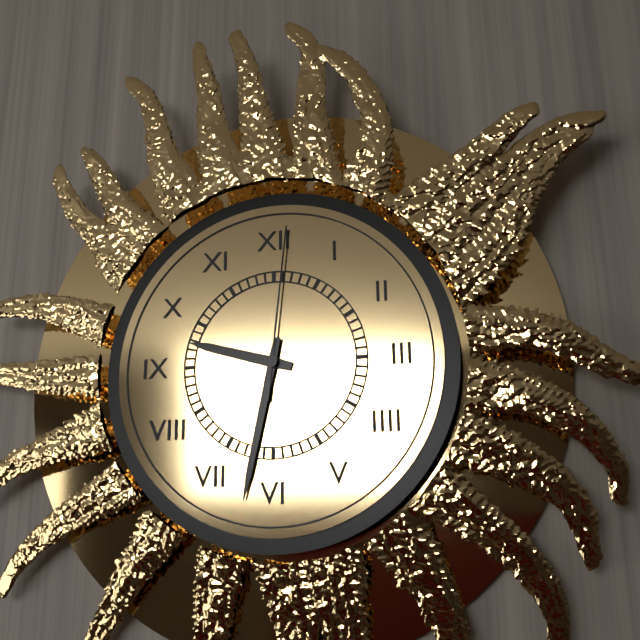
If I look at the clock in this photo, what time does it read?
9:32:01
